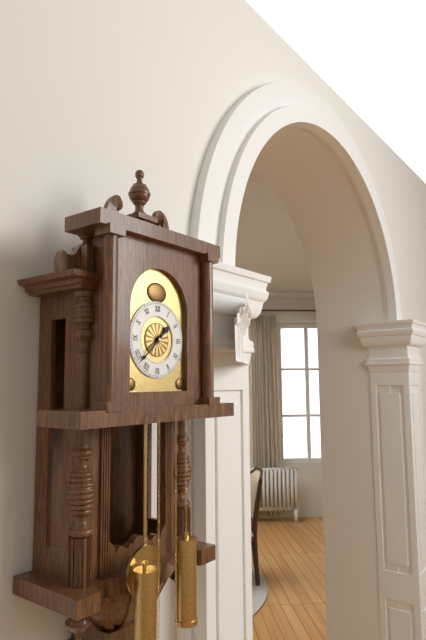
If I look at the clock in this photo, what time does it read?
1:38
